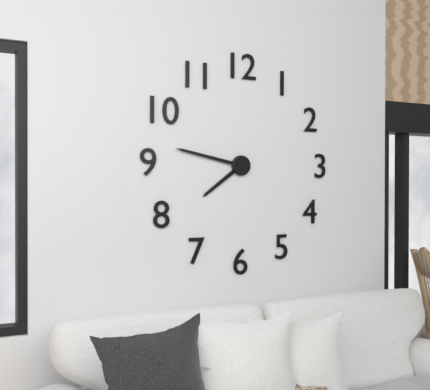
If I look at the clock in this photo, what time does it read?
7:47
